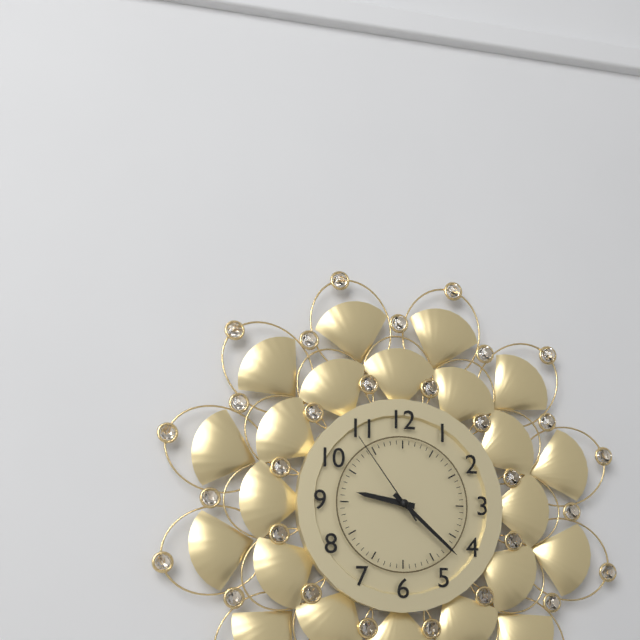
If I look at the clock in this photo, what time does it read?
9:22:54
